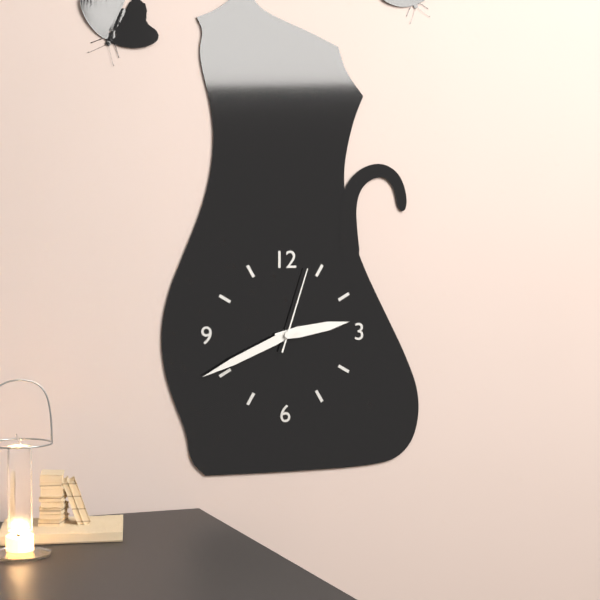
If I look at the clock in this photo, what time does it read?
2:41:03
